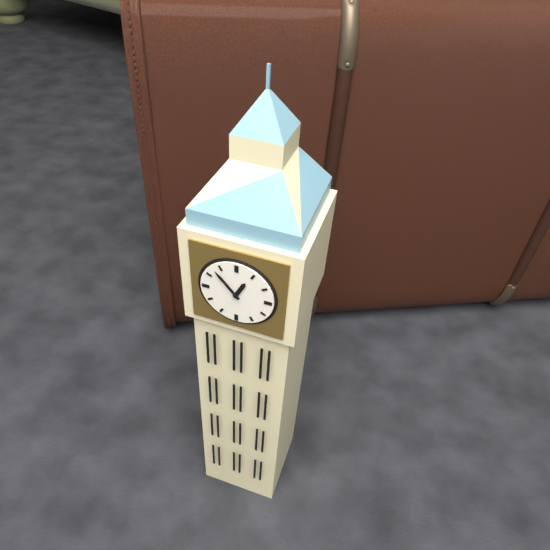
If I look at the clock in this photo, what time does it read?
12:53
